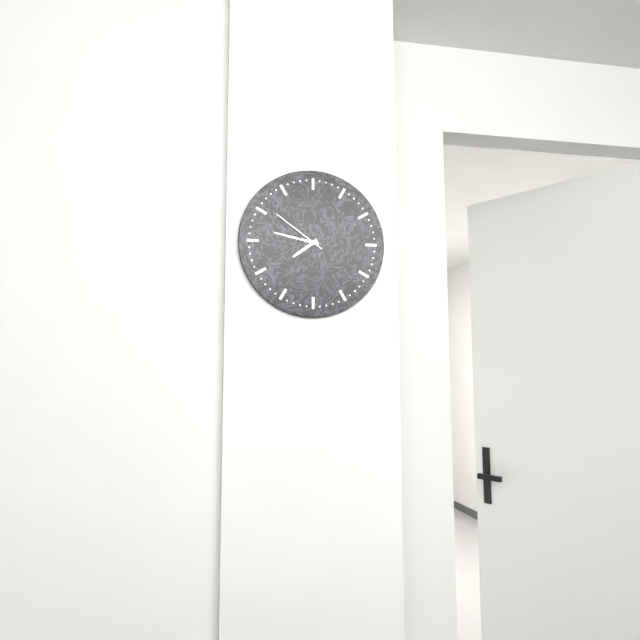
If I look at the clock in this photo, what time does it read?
7:47:51
